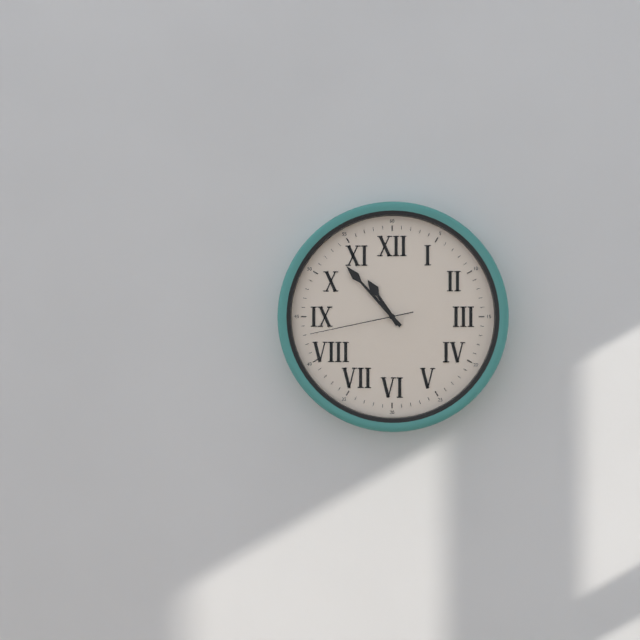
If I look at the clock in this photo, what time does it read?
10:53:43
